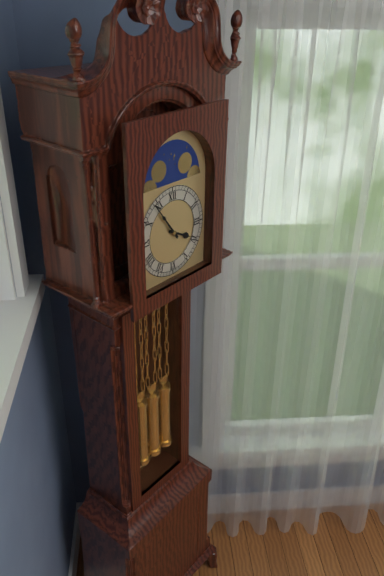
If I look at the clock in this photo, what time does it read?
3:54
